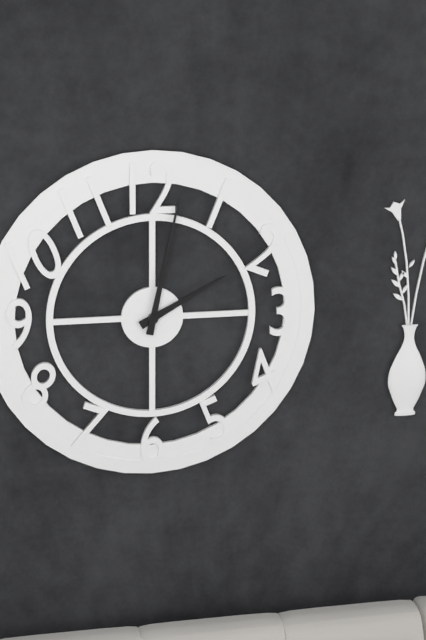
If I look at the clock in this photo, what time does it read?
2:02
